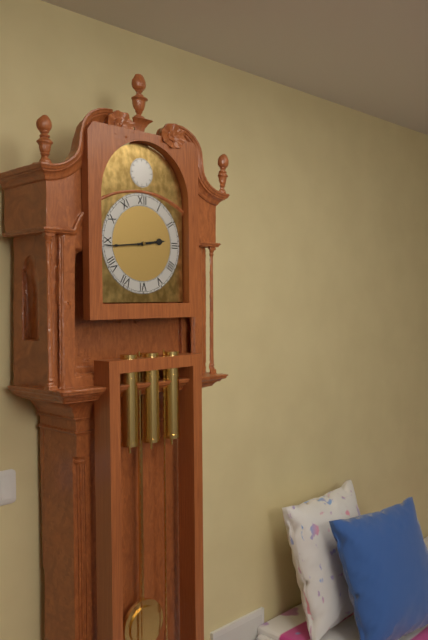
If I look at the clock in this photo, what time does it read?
2:44
